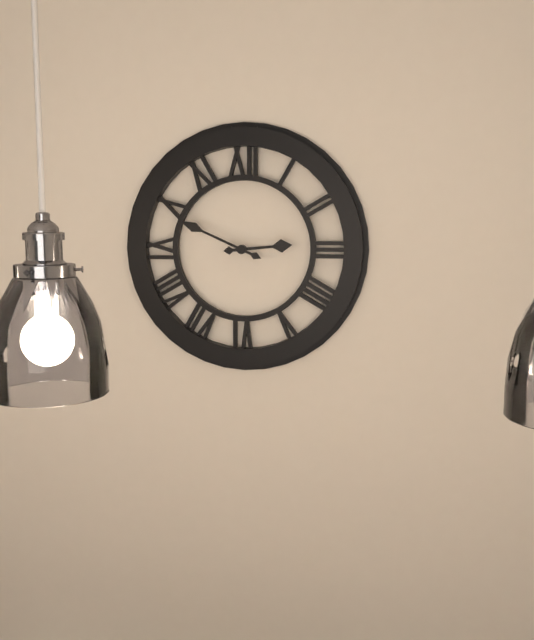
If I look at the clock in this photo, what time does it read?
2:49
